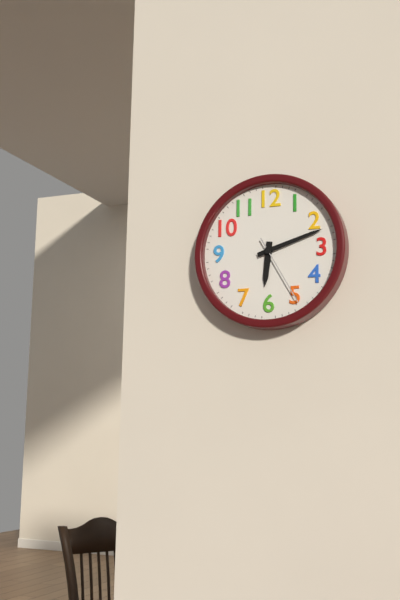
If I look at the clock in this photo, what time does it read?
6:12:25
